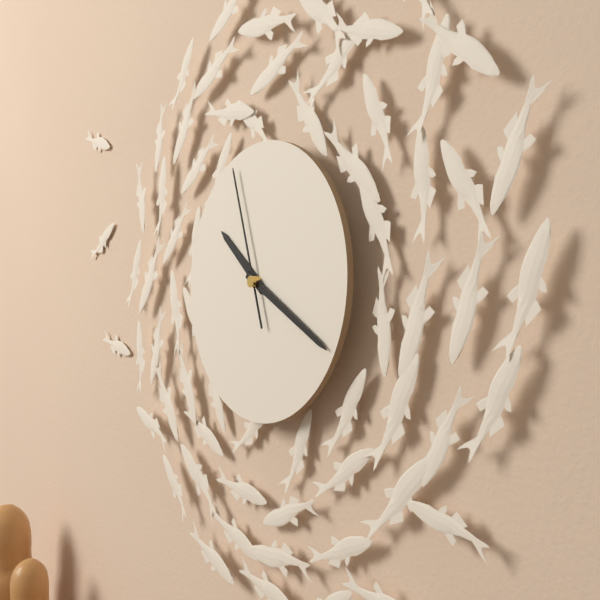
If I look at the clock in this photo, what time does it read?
10:20:57
